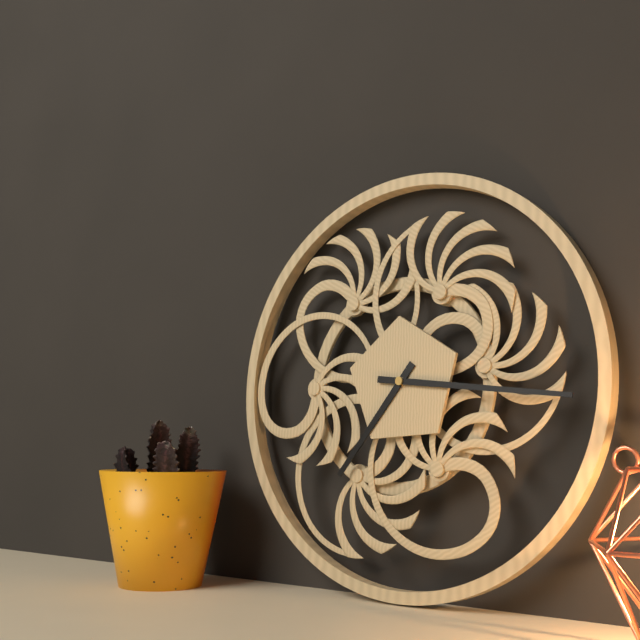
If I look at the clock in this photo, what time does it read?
7:16
